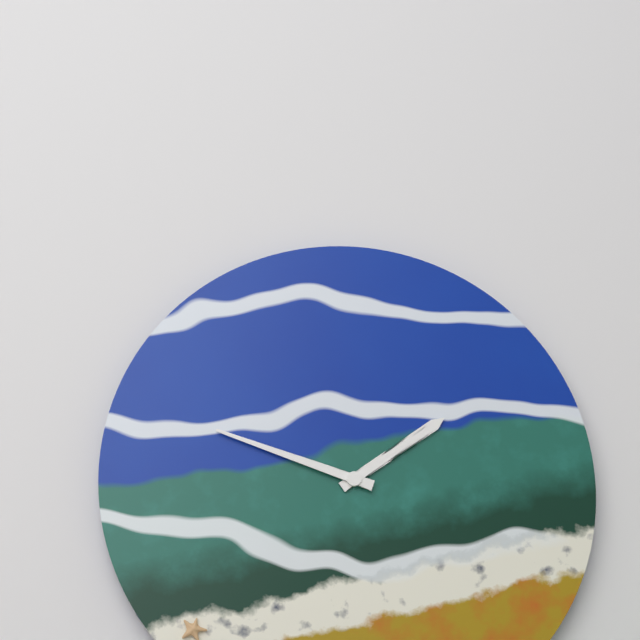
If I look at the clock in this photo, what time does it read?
1:48
